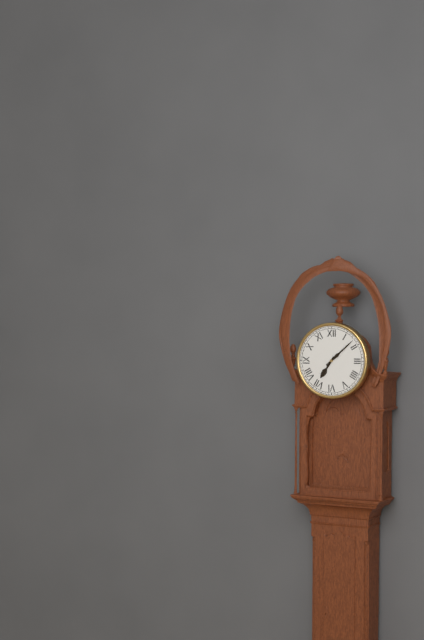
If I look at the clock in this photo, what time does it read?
7:08
